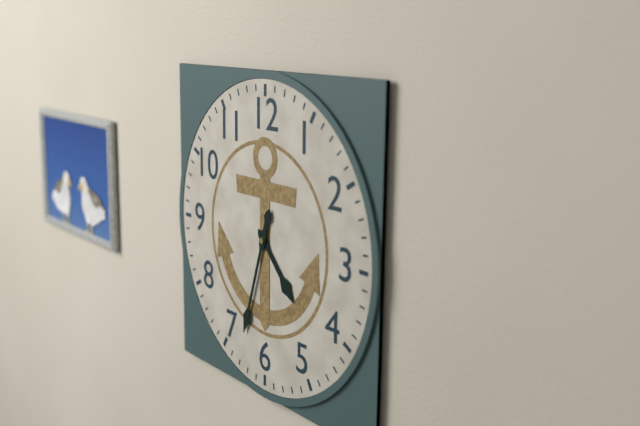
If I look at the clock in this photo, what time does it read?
4:33
